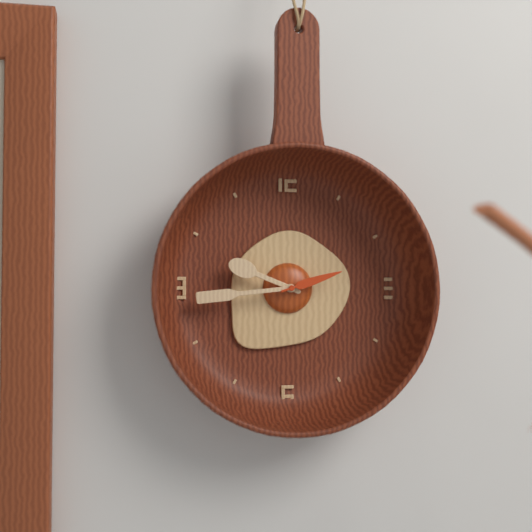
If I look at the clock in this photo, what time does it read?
9:44:12
